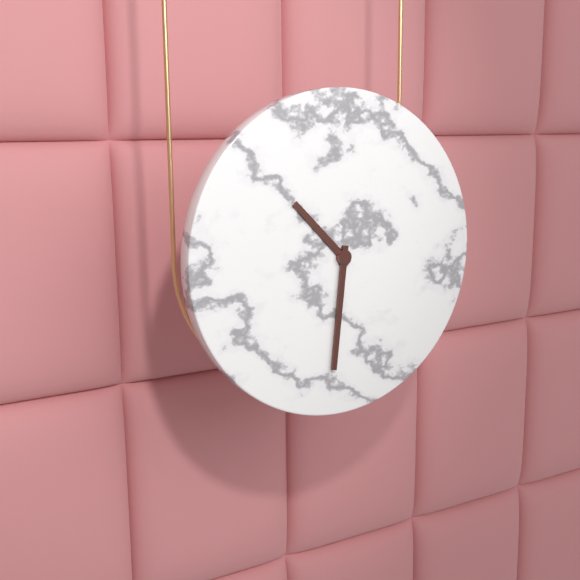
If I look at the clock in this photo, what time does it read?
10:31
